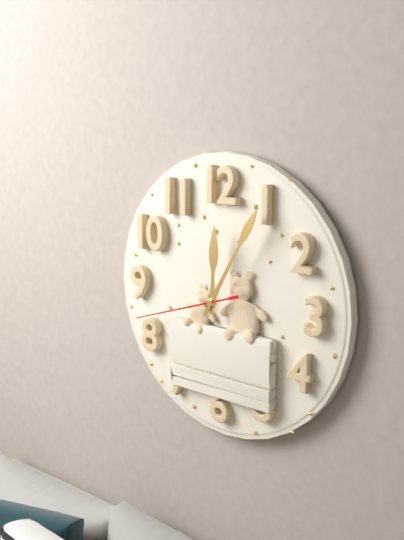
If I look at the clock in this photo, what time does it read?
12:05:42
